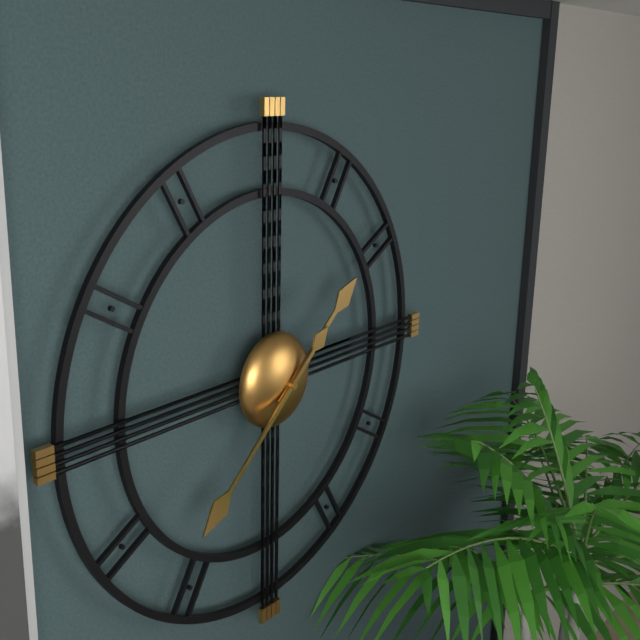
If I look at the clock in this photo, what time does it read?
1:38
